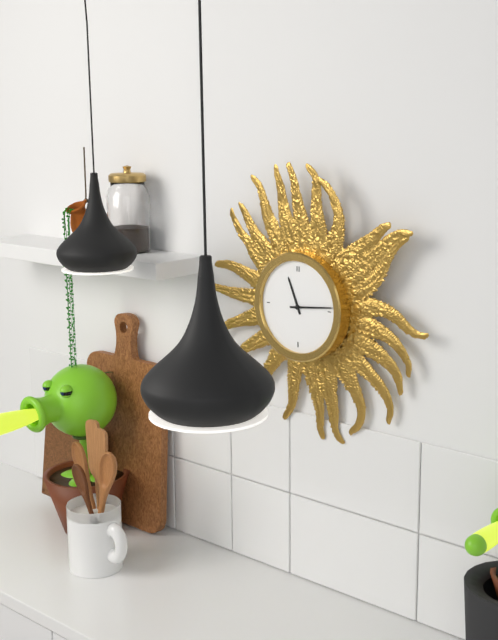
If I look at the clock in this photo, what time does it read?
11:14
